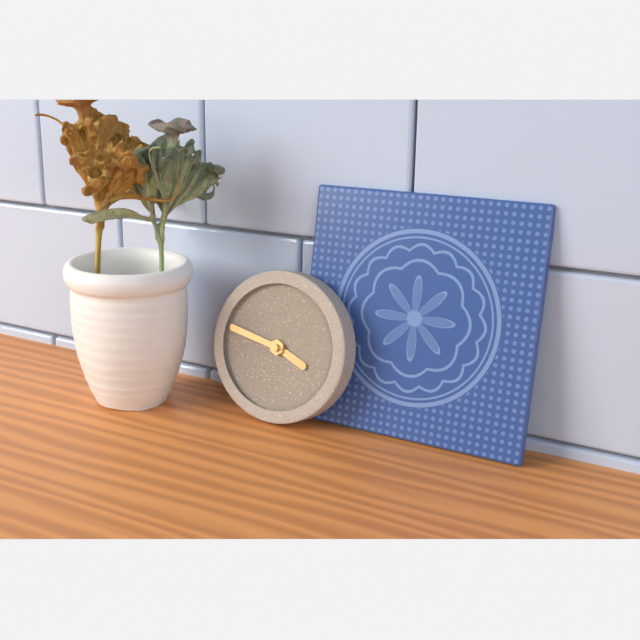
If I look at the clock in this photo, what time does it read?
3:47
